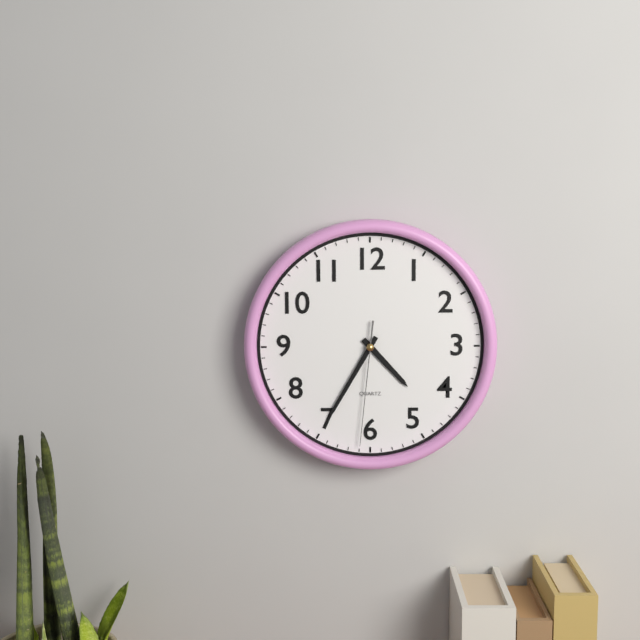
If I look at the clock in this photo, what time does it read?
4:35:31
